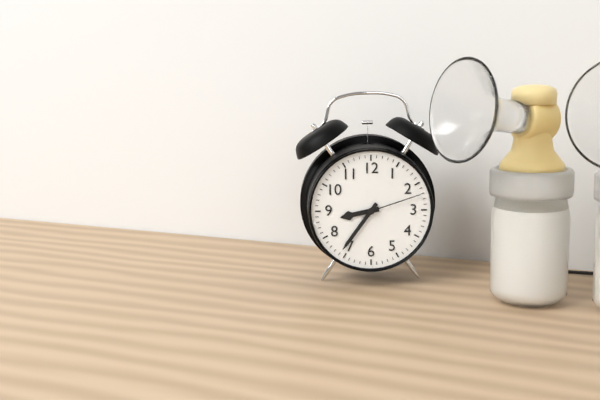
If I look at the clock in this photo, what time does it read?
8:36:12
